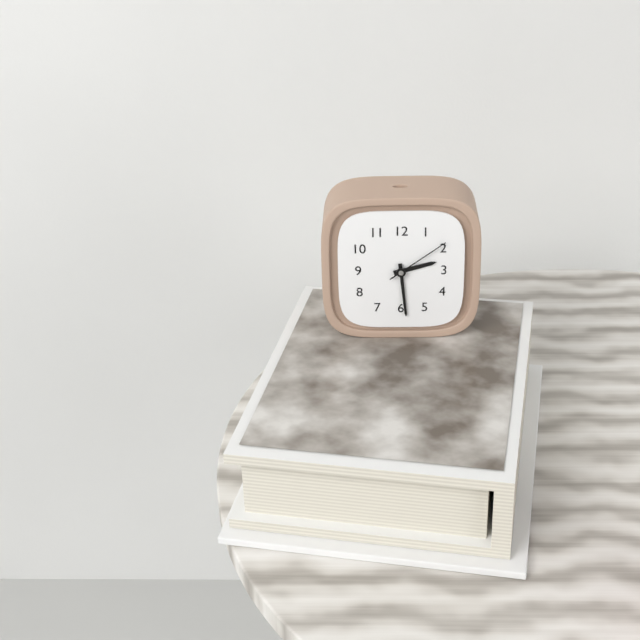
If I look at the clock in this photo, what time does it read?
2:29:09
